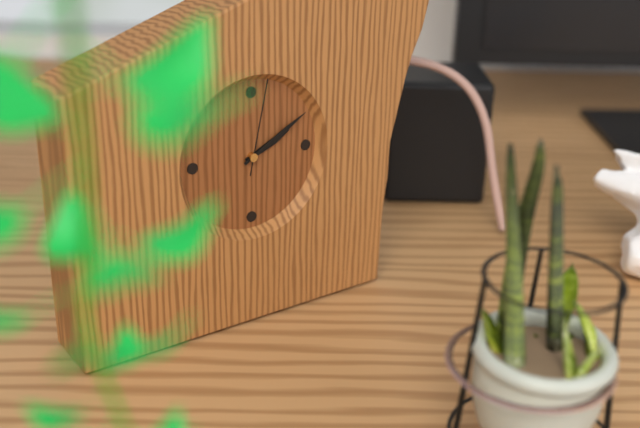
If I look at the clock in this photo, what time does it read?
2:10:02
